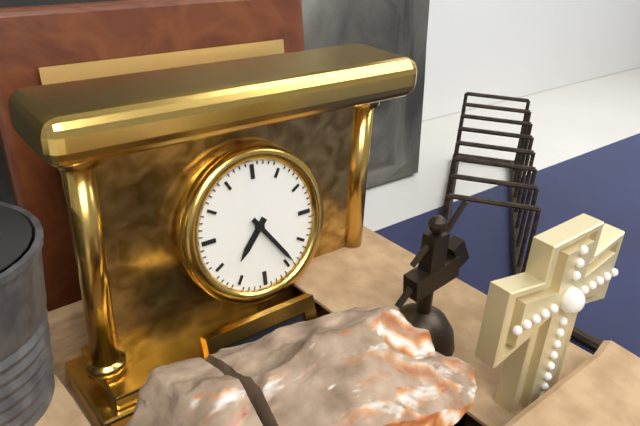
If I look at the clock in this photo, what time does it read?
7:24
